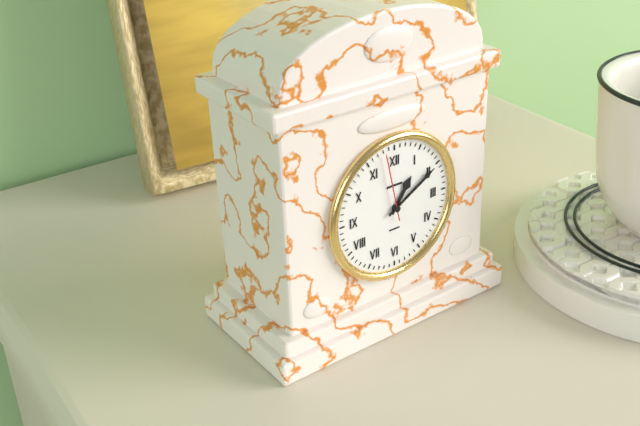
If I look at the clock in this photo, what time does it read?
1:10:58
